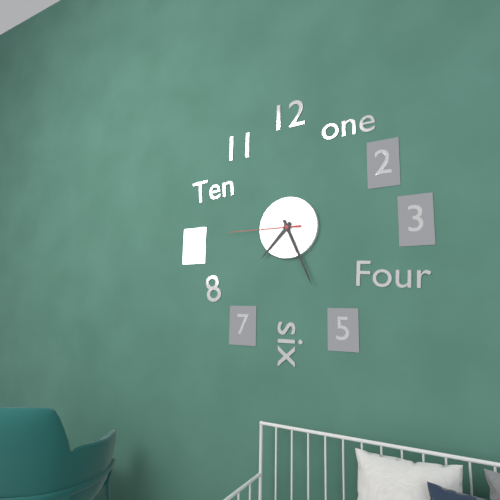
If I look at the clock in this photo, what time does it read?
7:26:45
